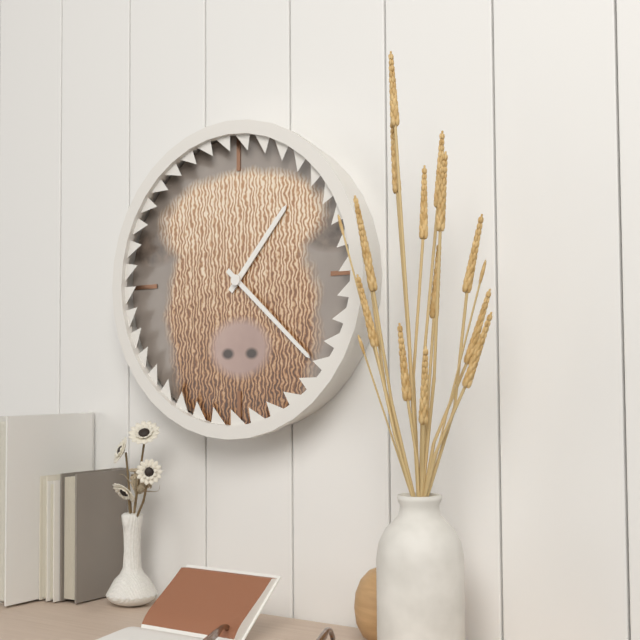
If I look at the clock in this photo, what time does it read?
1:22
